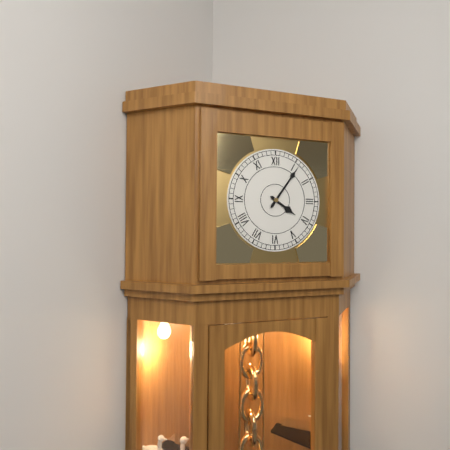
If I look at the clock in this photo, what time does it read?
4:06
